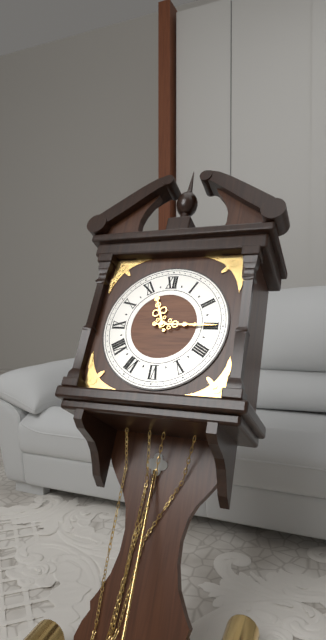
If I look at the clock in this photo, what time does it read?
11:15
